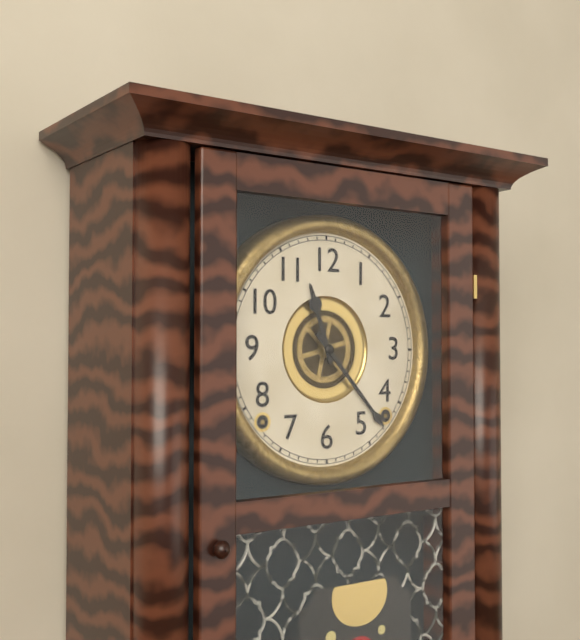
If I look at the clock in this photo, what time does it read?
11:23
